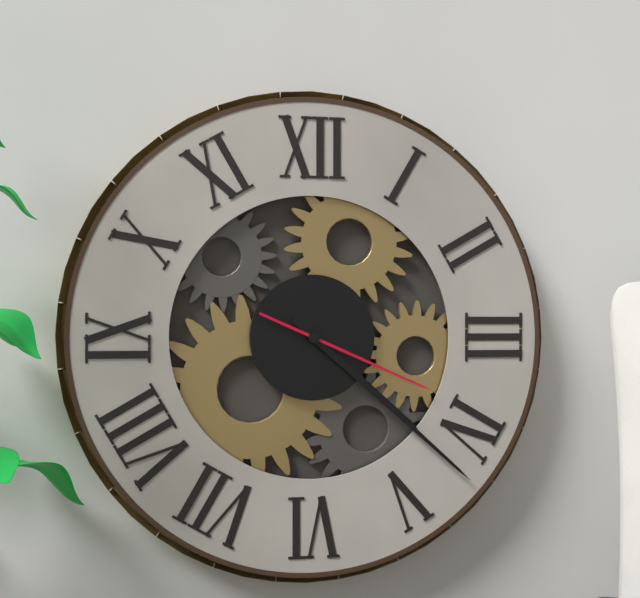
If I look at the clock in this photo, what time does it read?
4:22:19
